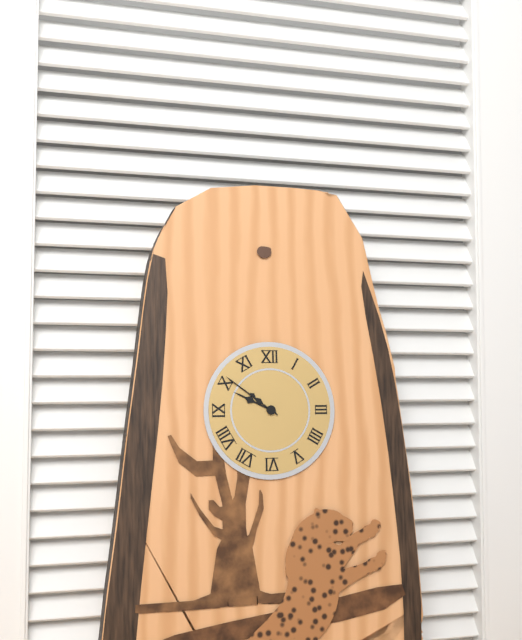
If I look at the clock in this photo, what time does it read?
9:51
